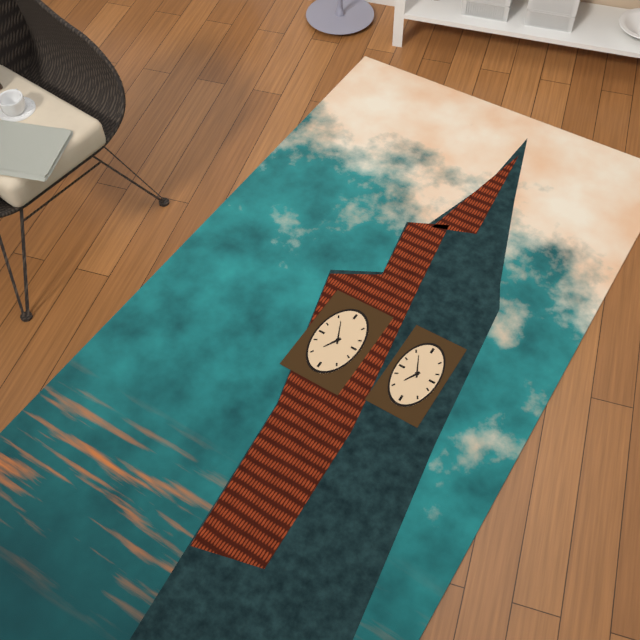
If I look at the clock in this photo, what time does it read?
6:56
